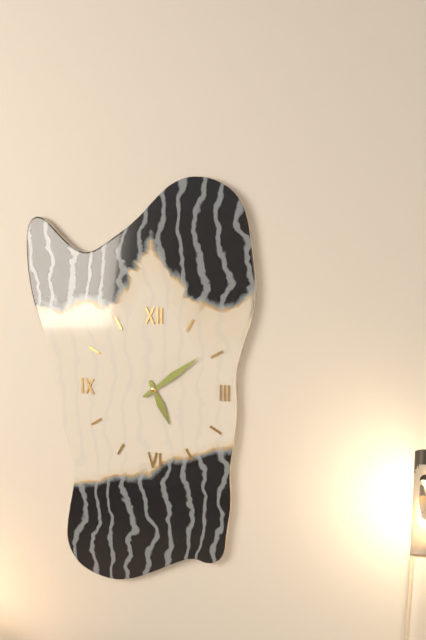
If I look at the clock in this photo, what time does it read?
5:09
